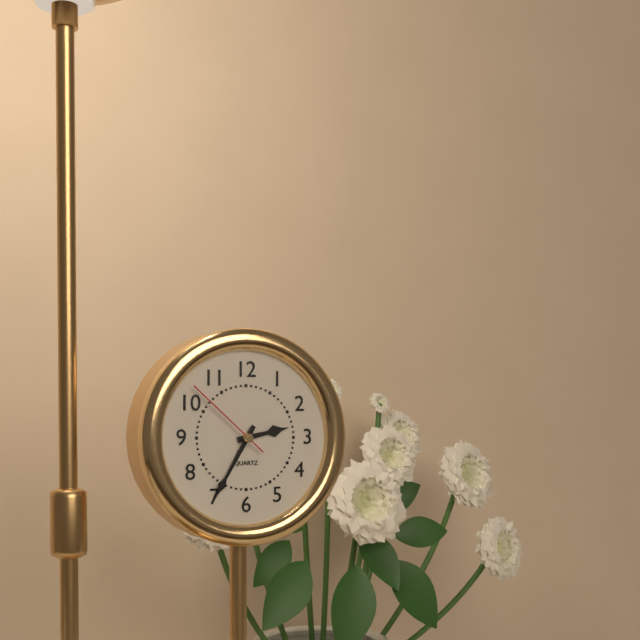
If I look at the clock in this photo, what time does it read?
2:35:52
